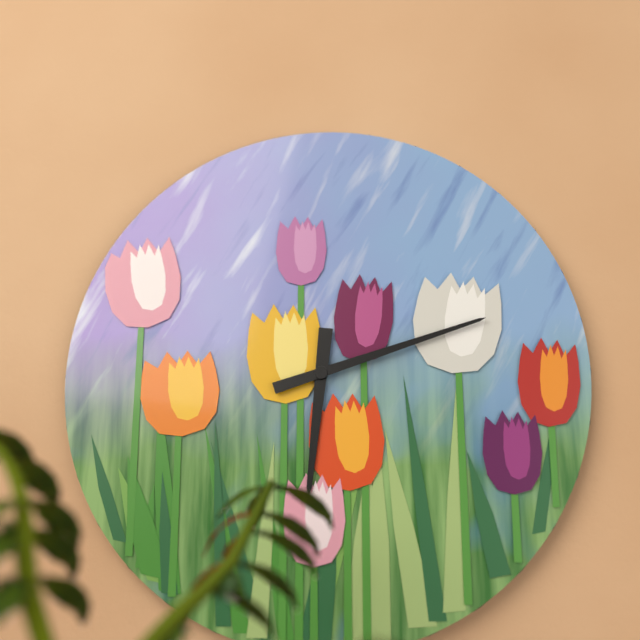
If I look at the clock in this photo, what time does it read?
6:12
